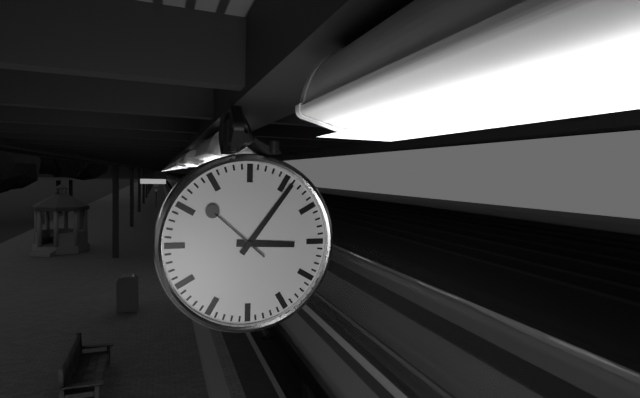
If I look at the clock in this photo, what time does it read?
3:06:52
